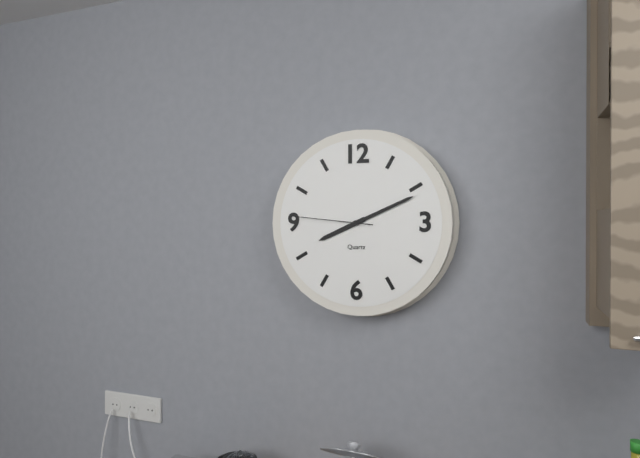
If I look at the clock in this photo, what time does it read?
8:11:46
